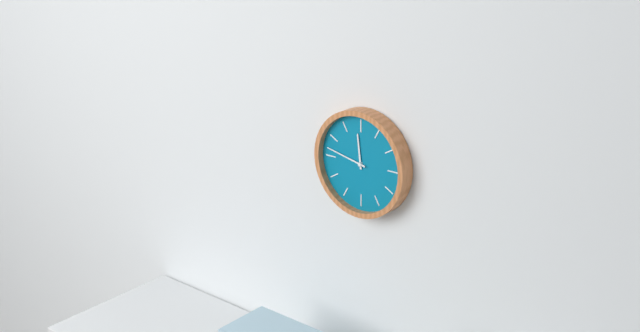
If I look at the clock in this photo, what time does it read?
11:47
